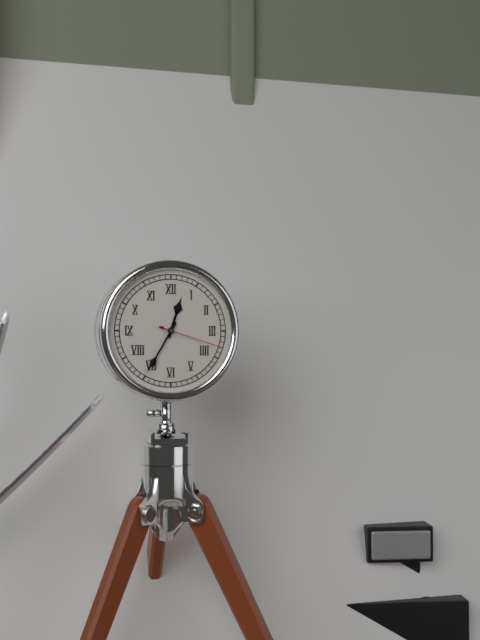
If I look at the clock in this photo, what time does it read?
12:35:18
